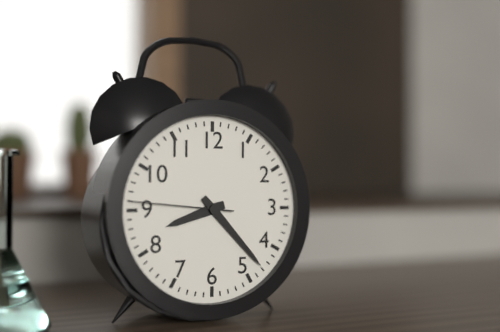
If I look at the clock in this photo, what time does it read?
8:23:46
